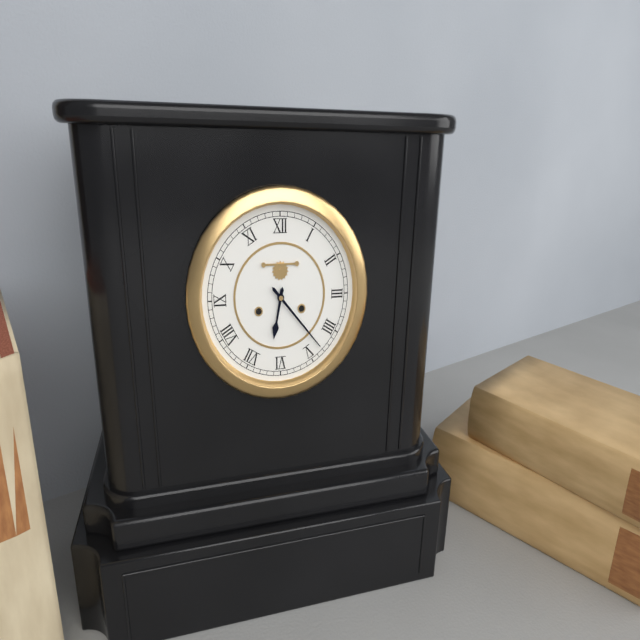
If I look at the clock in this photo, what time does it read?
6:23
